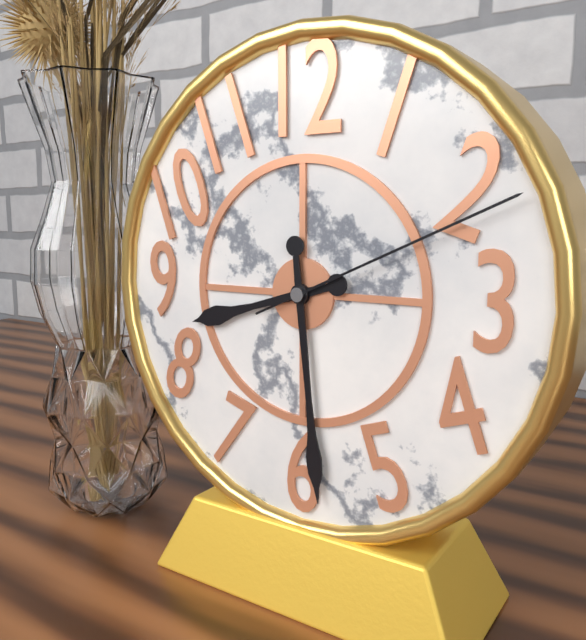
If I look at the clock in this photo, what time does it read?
8:29:11
